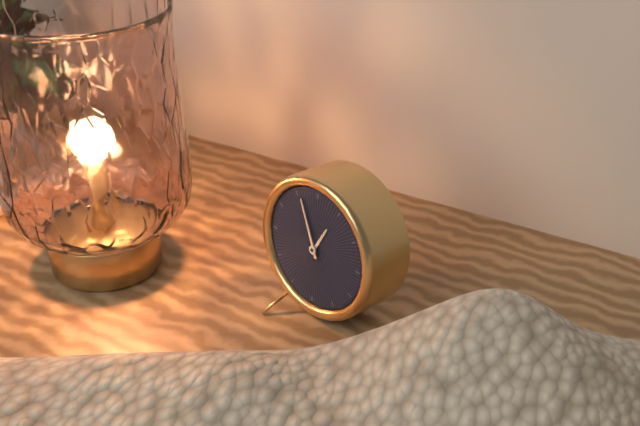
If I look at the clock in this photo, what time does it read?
12:56
